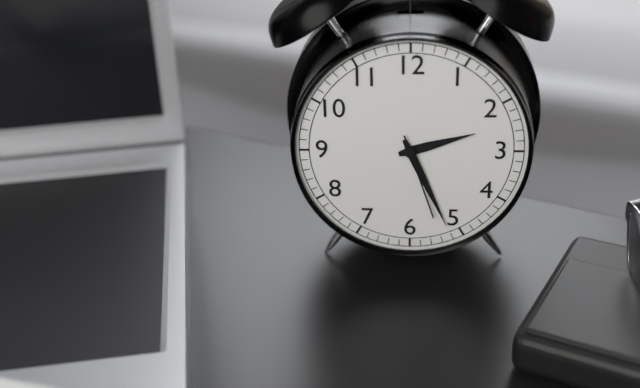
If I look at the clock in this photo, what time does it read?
2:26:27
